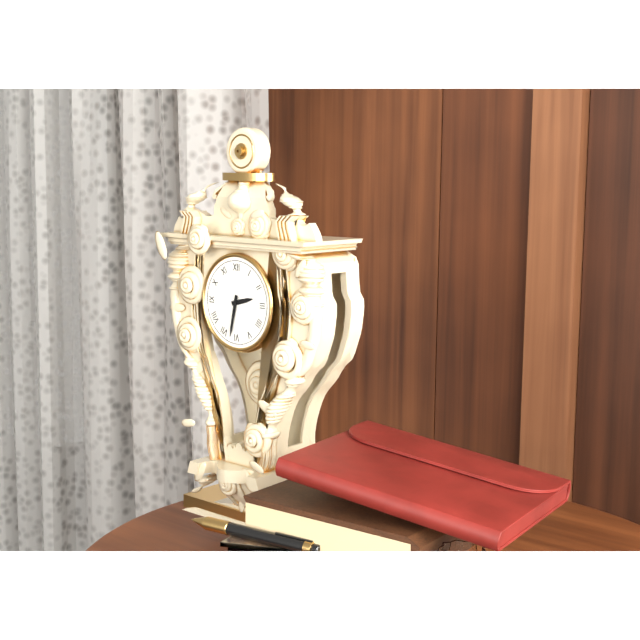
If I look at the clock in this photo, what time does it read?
2:32
